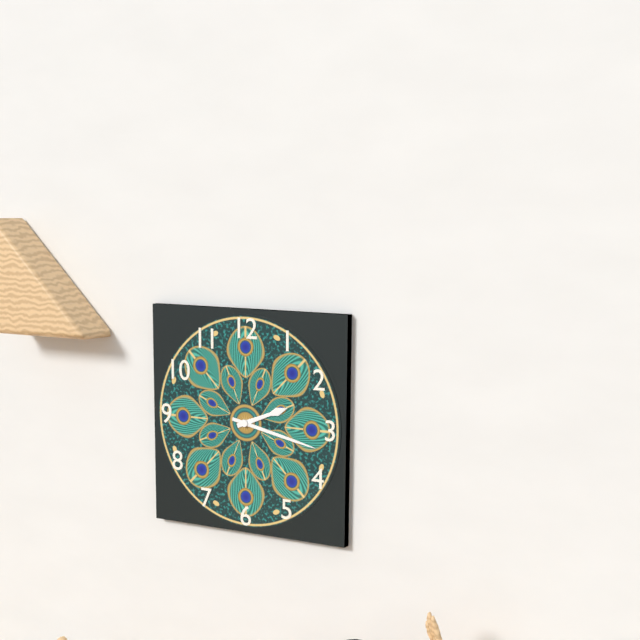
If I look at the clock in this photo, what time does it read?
2:17
